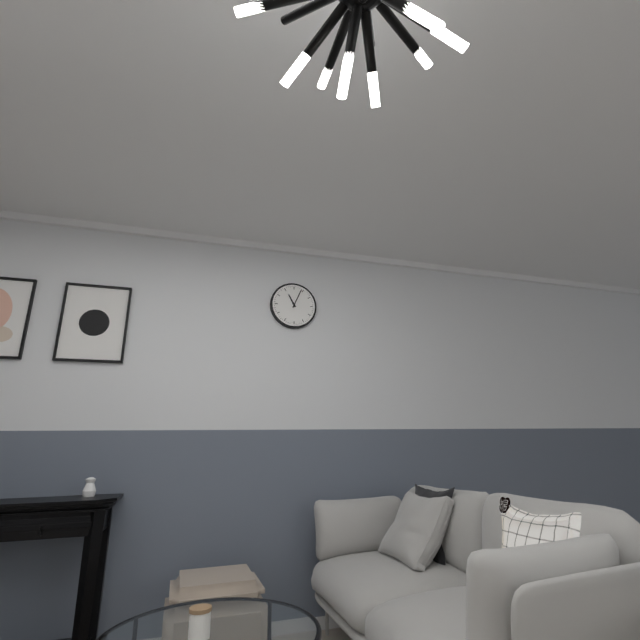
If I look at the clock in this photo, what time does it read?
11:04
